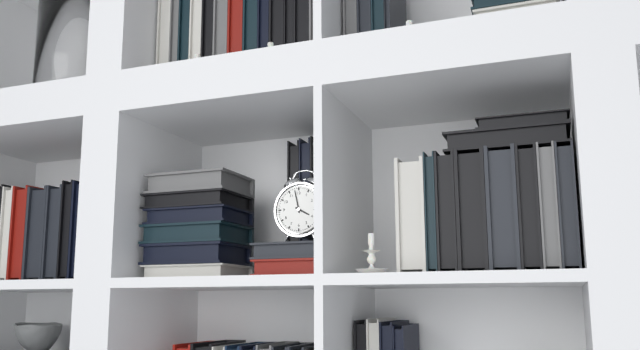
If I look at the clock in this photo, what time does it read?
3:58
